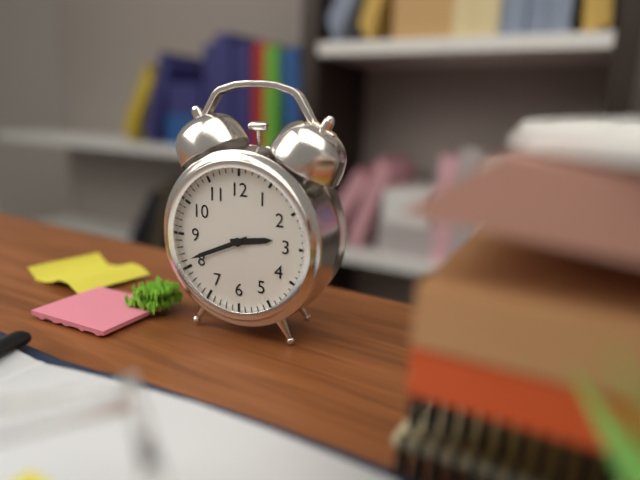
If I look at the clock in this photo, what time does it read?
2:41
